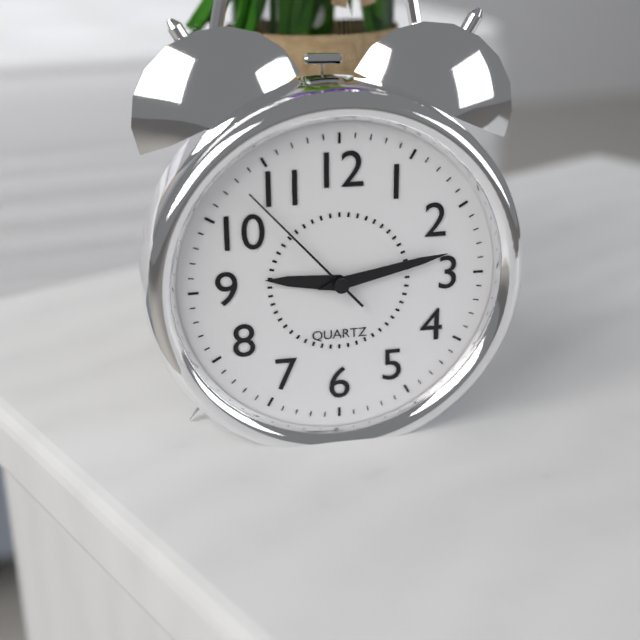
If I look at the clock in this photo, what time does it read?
9:13:53
